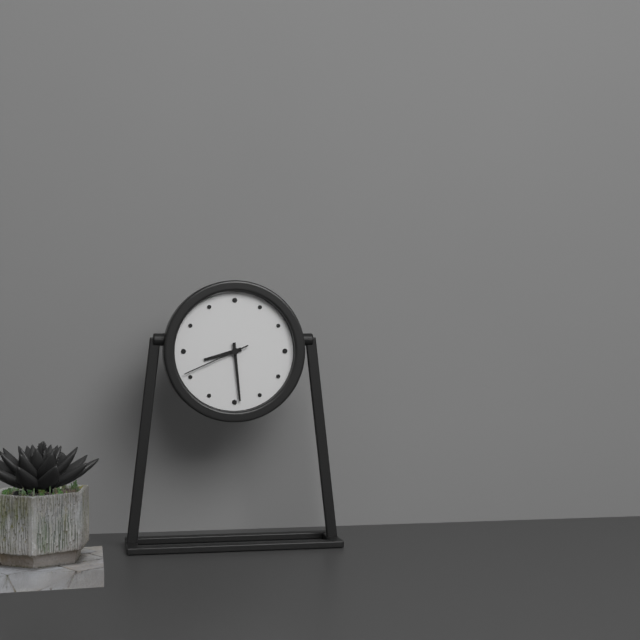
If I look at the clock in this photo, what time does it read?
8:29:41
